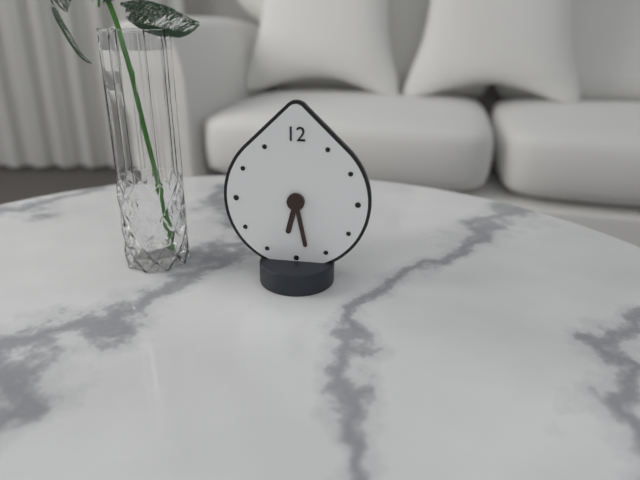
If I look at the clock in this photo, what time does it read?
6:28
